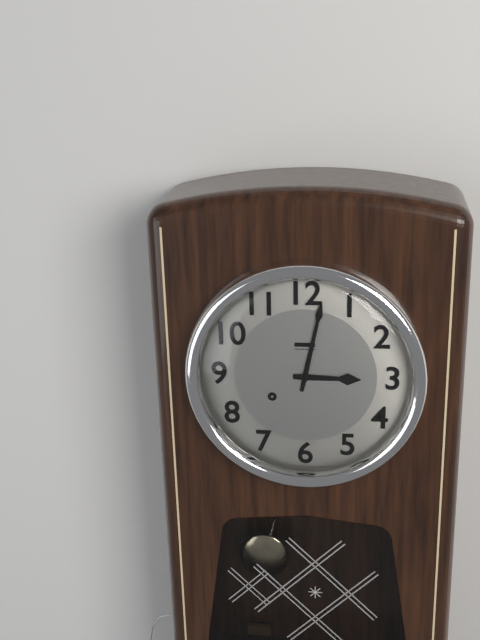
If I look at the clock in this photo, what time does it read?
3:02
